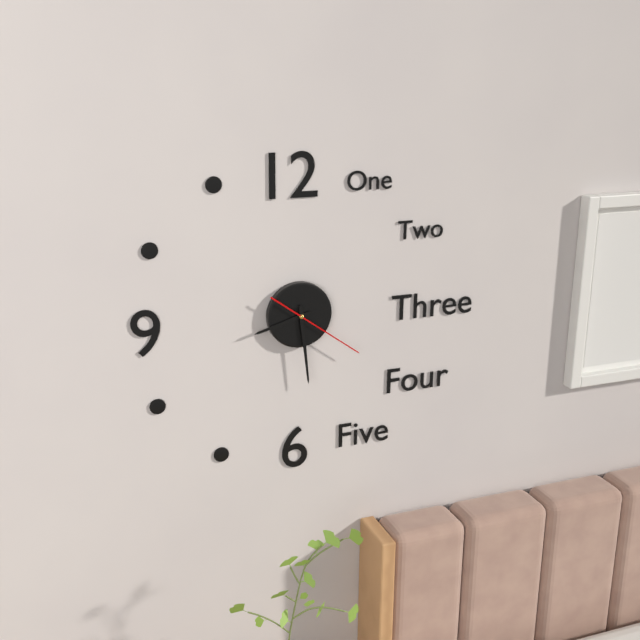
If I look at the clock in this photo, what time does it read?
8:29:21
